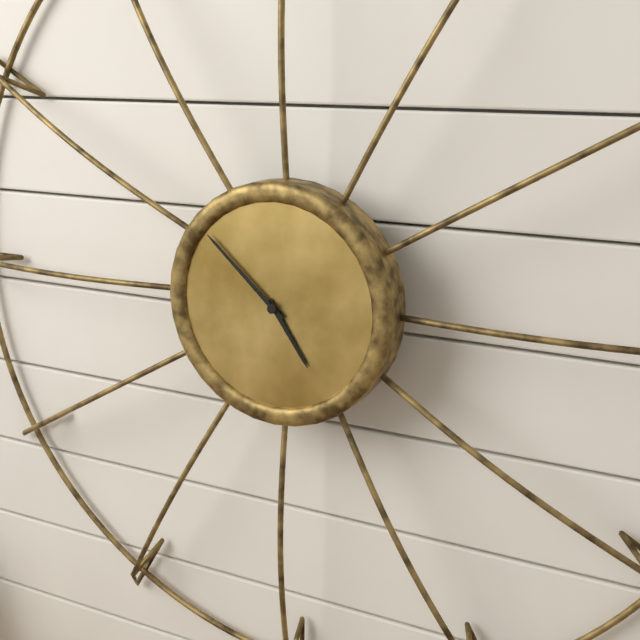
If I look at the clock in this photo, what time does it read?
4:52
